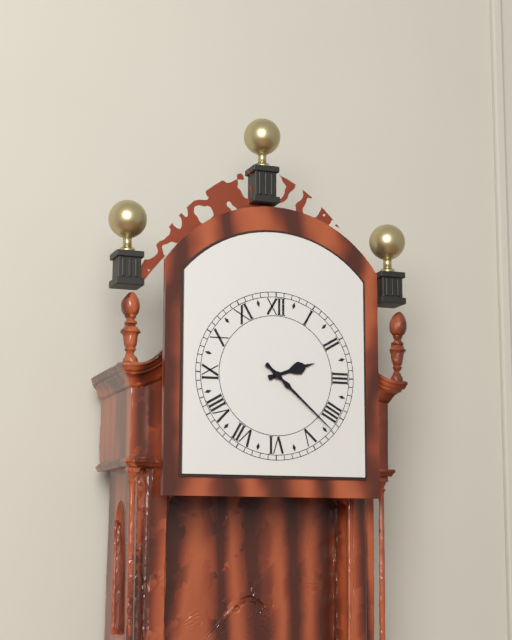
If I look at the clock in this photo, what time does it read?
2:22
